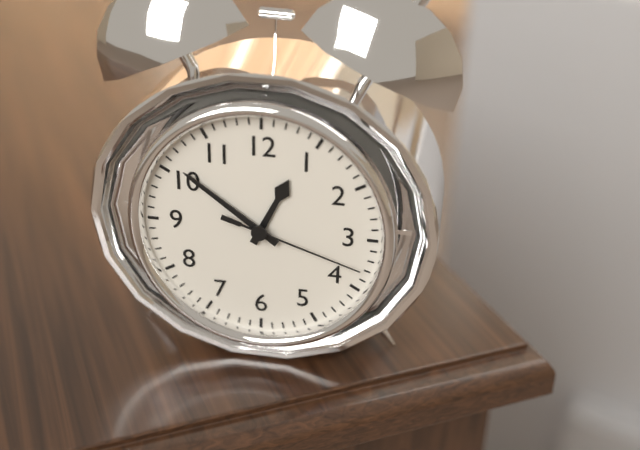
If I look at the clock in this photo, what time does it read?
12:51:18
